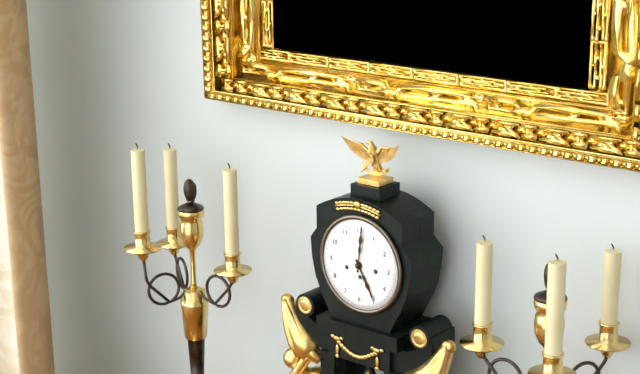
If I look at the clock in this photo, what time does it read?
5:01
